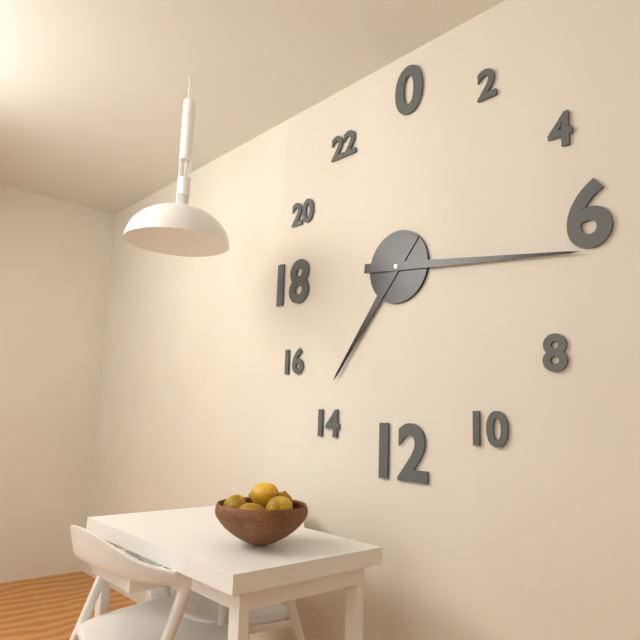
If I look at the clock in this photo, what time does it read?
7:16
